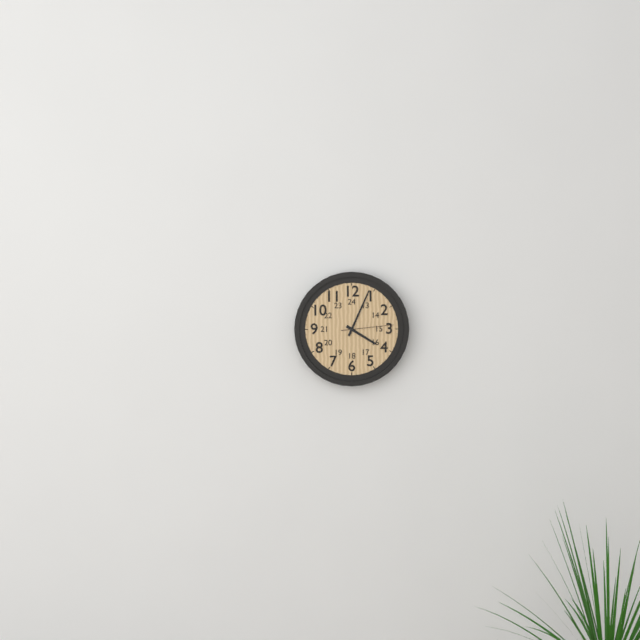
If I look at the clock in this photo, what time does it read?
4:04:14
